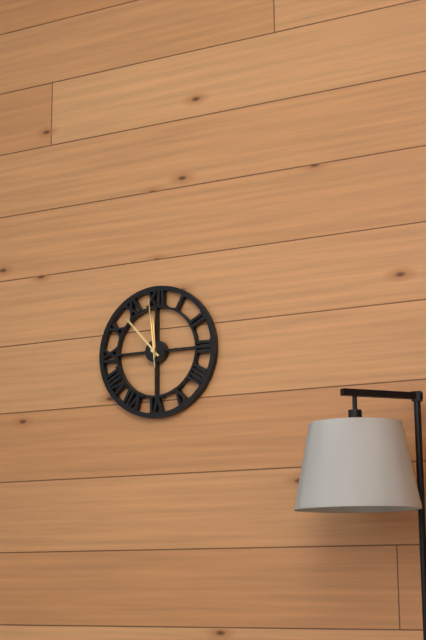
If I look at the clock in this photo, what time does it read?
11:53:59
